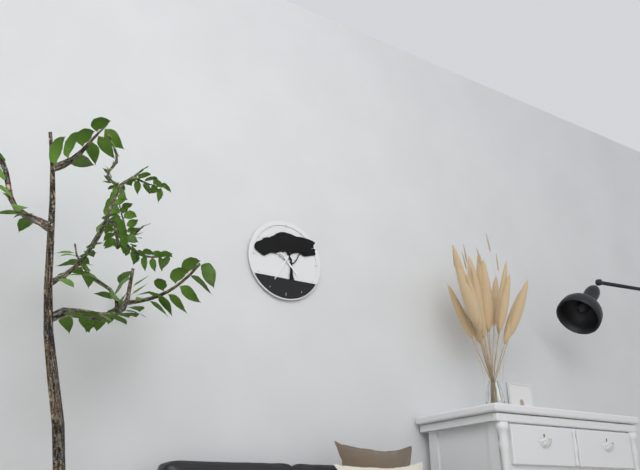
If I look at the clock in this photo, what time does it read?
4:35
